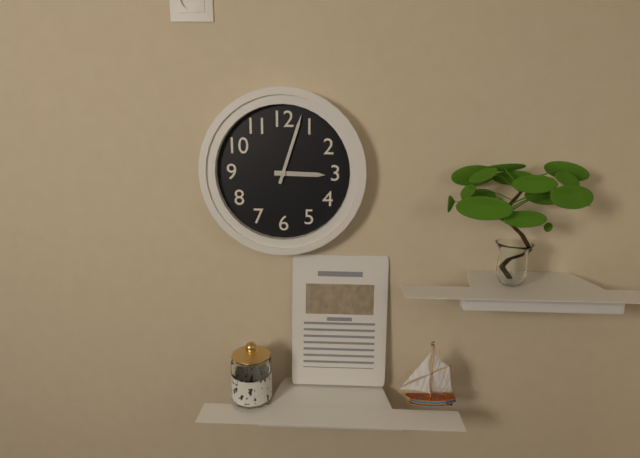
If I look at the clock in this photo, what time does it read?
3:03
